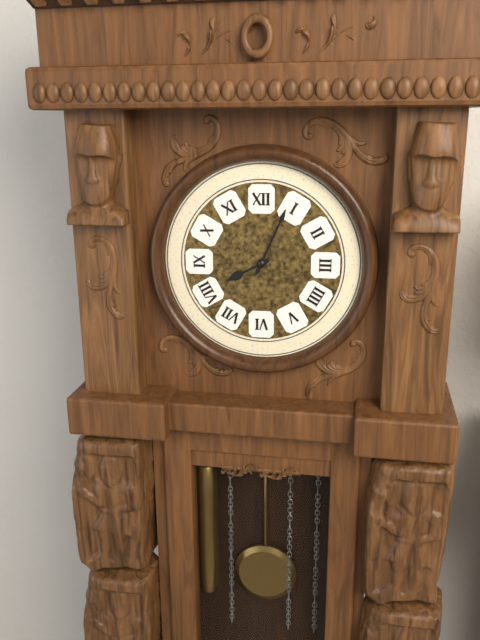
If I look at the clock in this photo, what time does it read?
8:04
